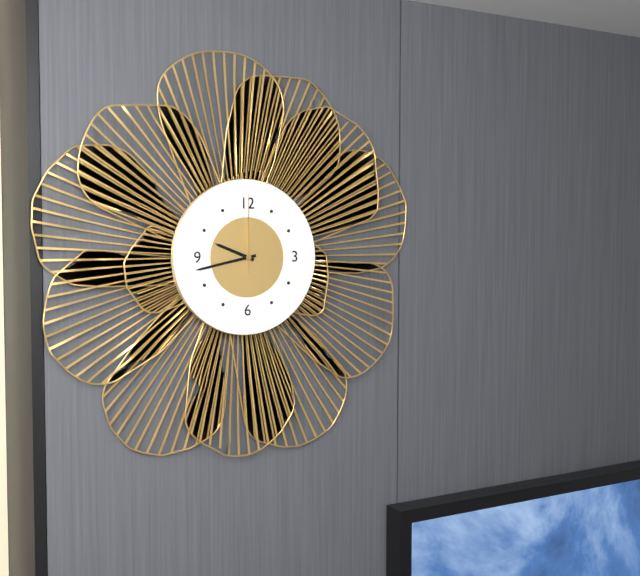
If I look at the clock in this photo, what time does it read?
9:43:00
